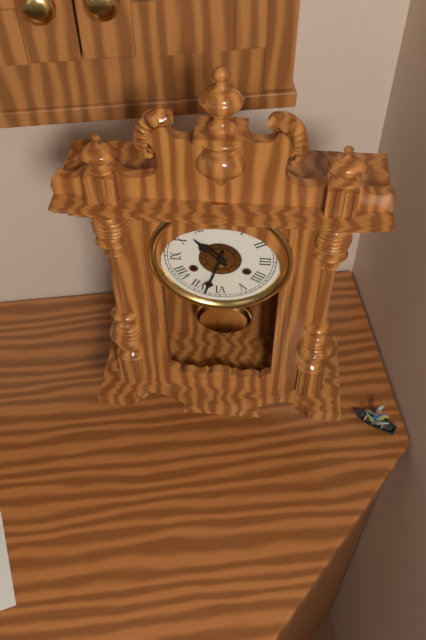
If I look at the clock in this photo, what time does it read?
10:33
